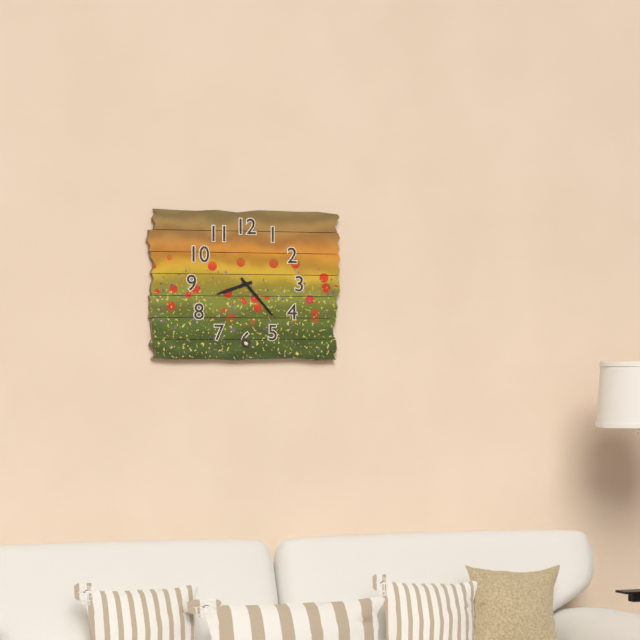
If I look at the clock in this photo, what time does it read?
8:23
